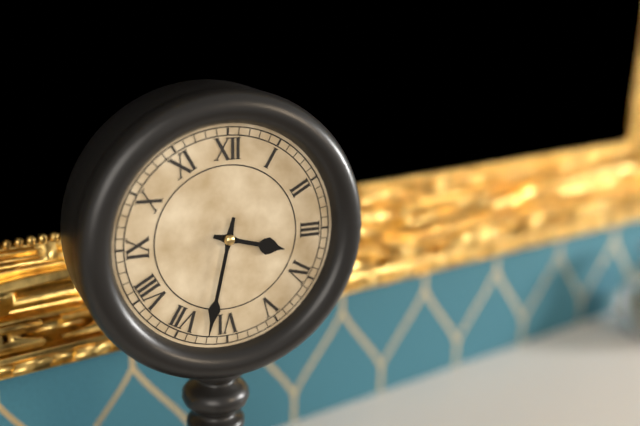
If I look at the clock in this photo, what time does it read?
3:32
